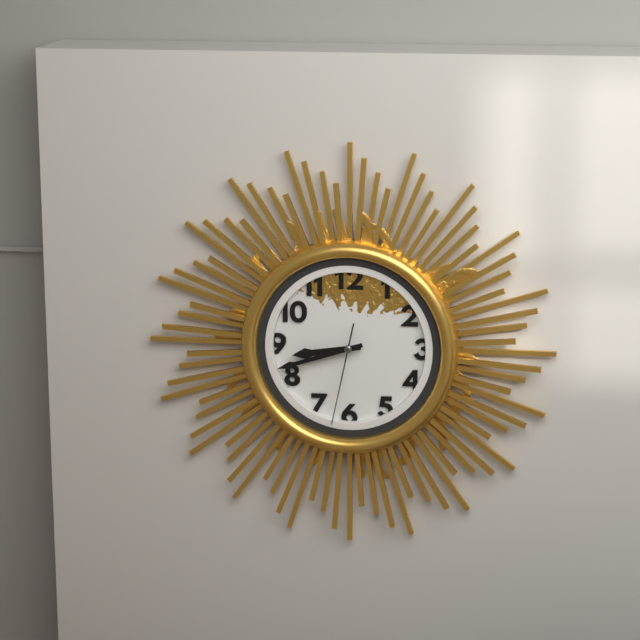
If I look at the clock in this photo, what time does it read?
8:42:32
